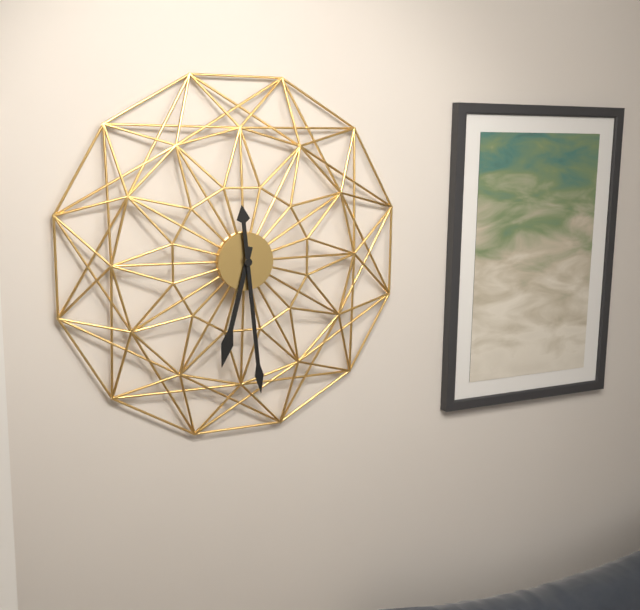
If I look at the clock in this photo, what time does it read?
6:29
